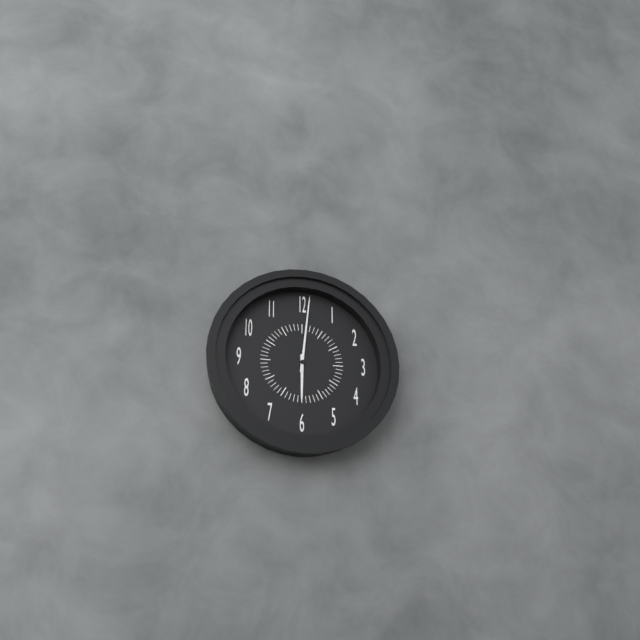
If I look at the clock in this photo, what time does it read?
6:01
